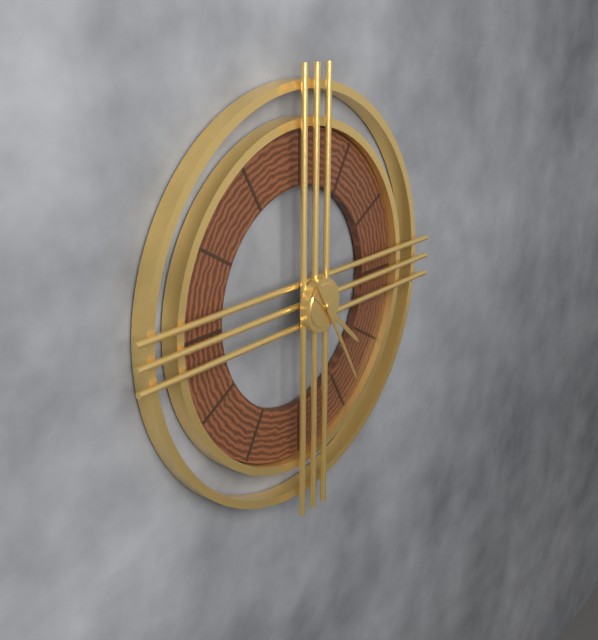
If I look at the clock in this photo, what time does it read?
4:25
